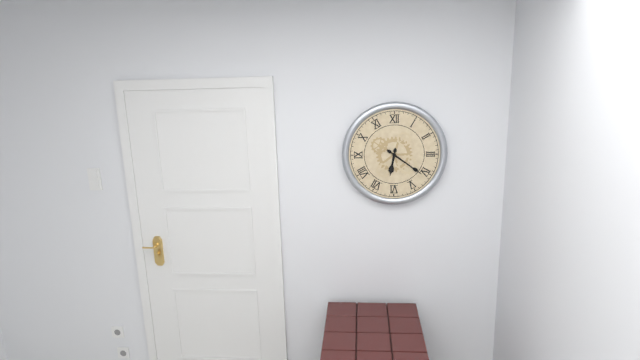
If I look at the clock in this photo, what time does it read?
6:21
